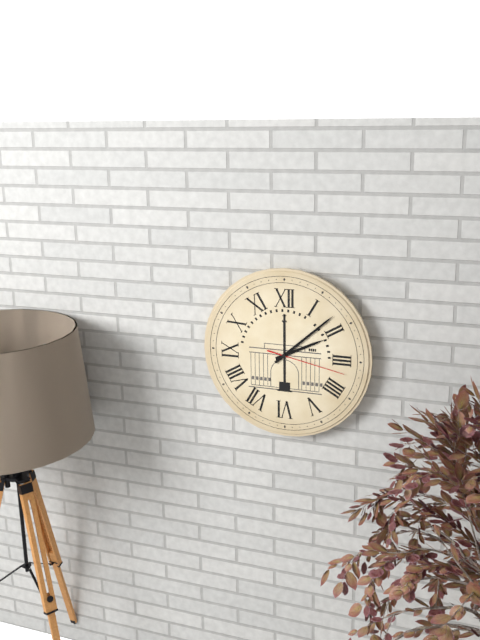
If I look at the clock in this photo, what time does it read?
2:08:17
